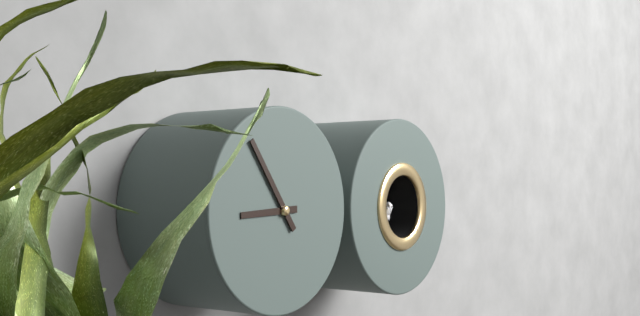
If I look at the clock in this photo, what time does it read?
8:54
